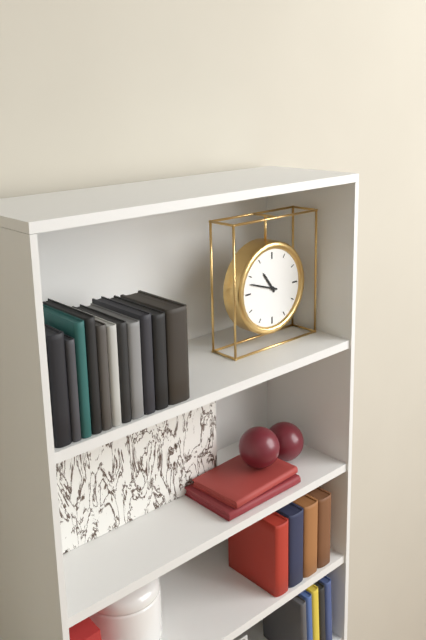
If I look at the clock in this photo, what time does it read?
10:48
